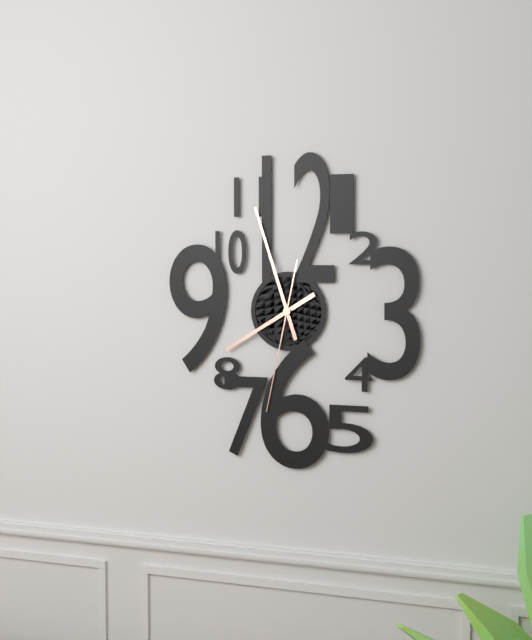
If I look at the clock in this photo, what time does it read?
7:57:32
